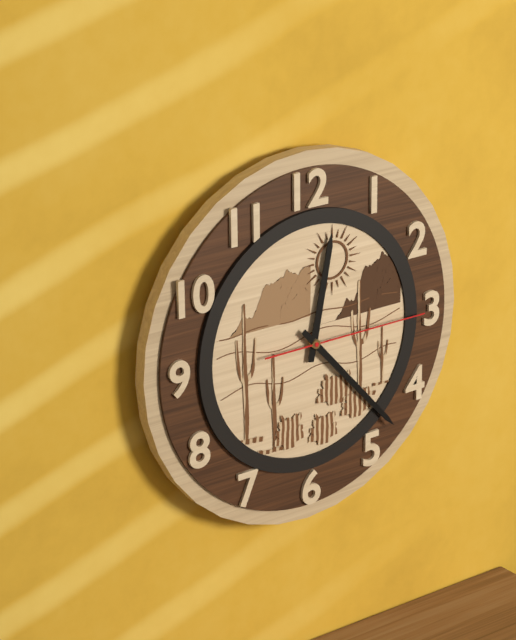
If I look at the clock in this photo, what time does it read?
12:23:15
